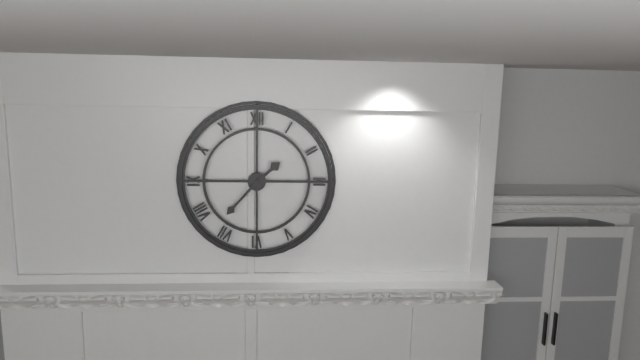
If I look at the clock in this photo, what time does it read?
1:37
